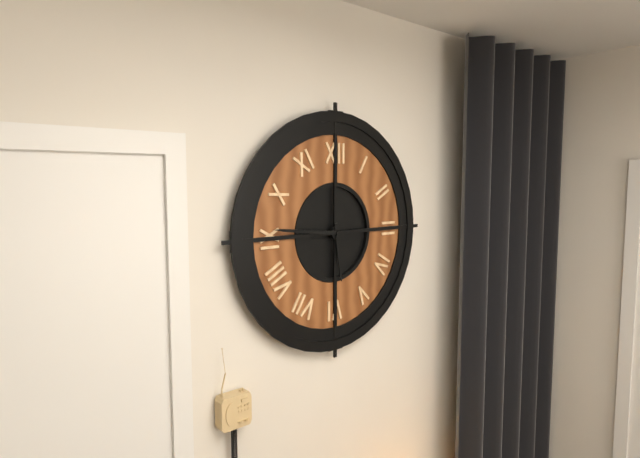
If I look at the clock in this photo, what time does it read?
5:46
